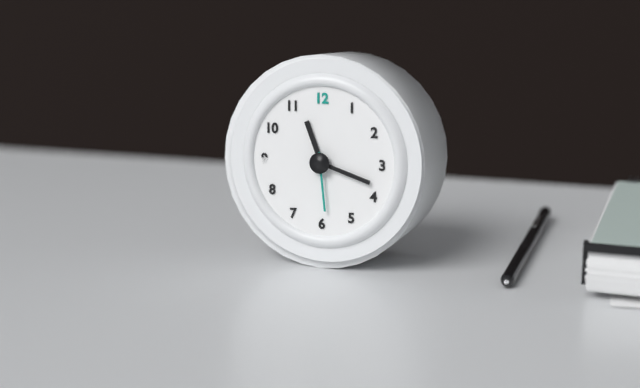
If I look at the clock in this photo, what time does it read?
11:18:29
